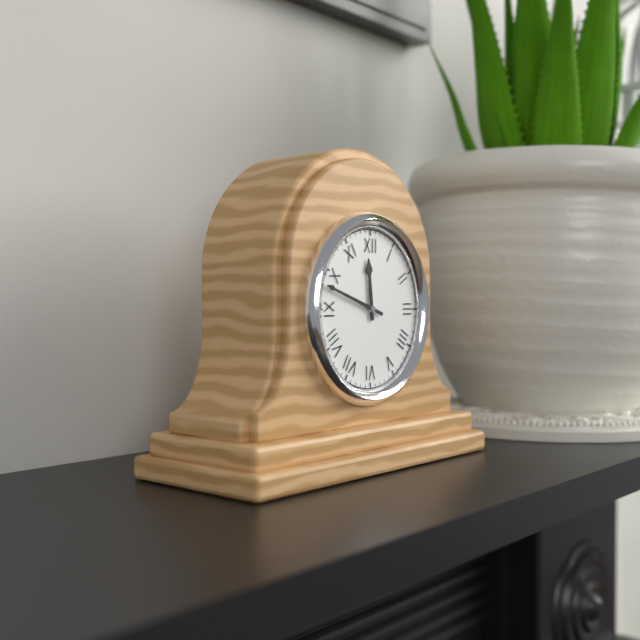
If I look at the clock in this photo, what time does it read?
11:48
